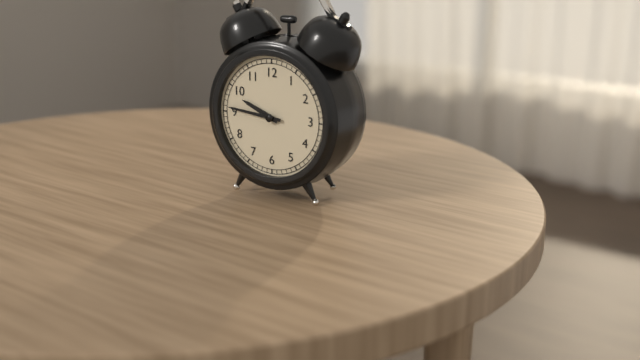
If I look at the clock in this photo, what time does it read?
9:46
